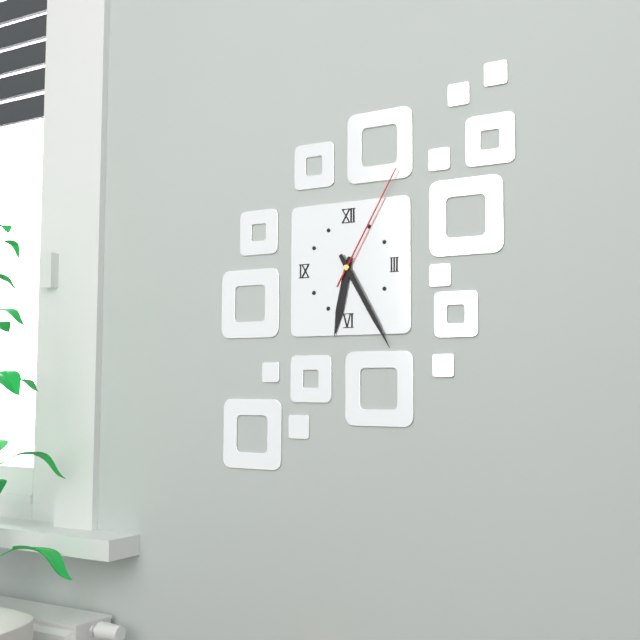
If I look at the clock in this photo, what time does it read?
6:25:05
